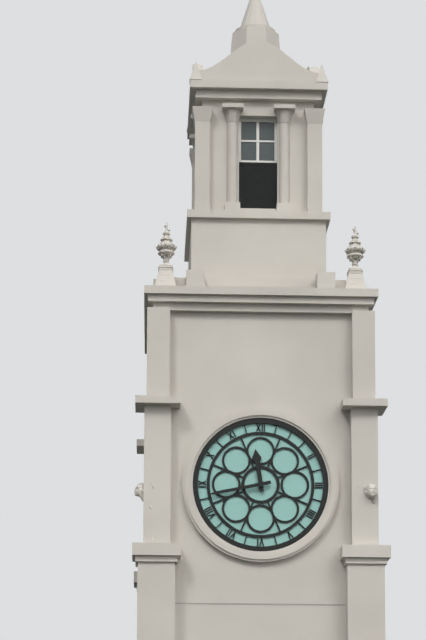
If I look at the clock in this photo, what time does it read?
11:43
